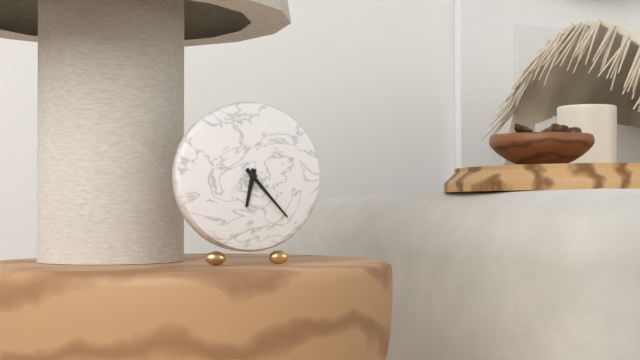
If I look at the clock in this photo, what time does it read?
6:23
